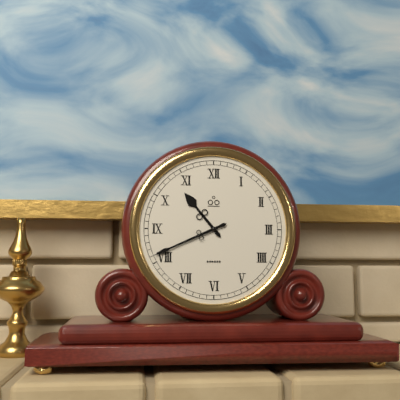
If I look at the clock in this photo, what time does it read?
10:41
